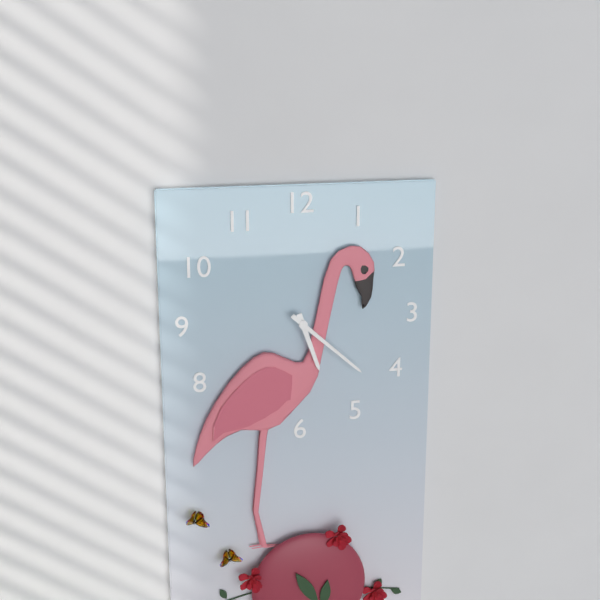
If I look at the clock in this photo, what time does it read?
5:22
